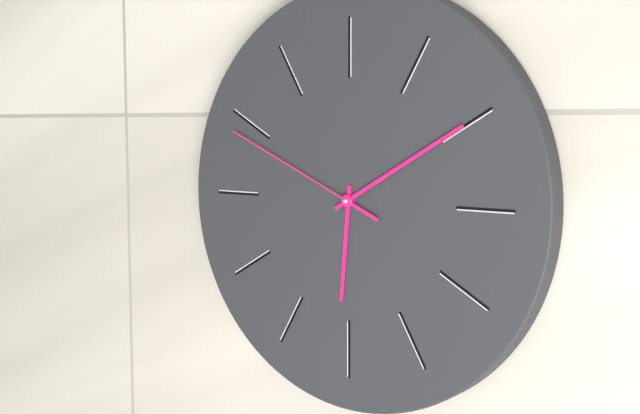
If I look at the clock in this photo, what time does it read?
6:10:49
